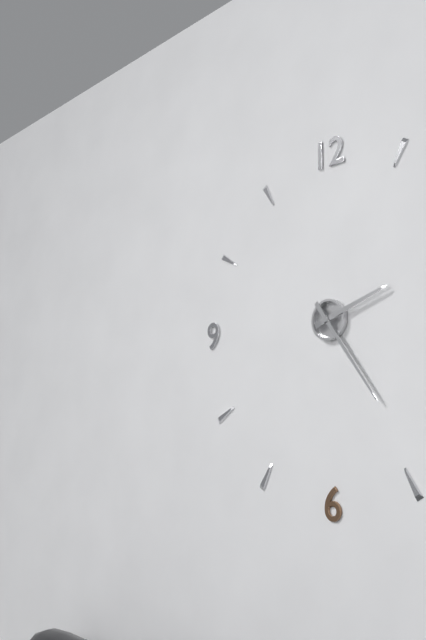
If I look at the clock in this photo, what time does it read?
2:24
